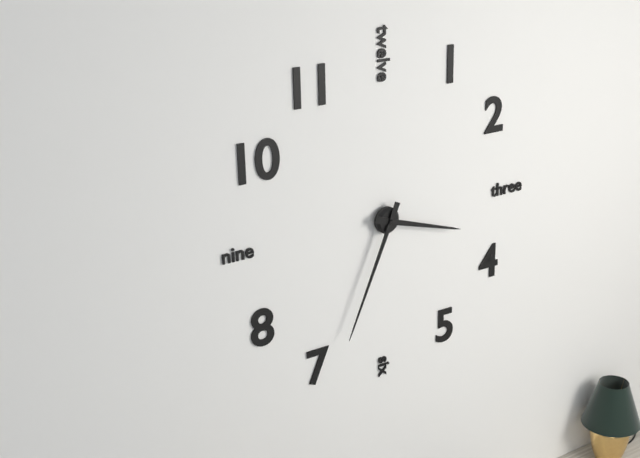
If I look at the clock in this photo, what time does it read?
3:34
